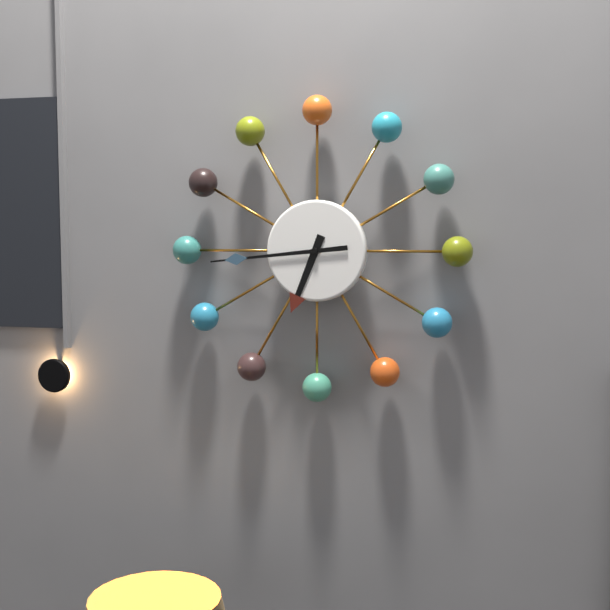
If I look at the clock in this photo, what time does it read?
6:44
